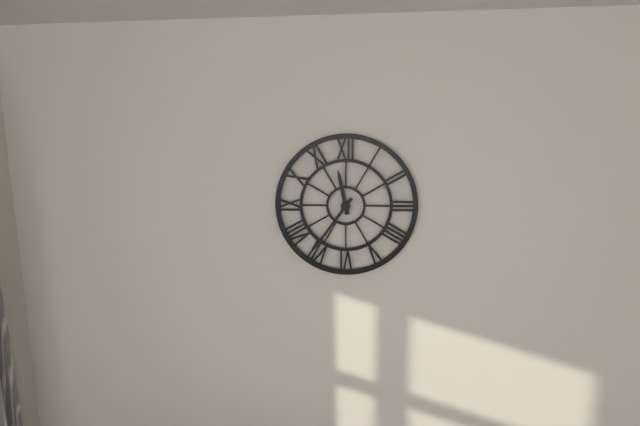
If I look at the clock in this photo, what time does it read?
11:36
